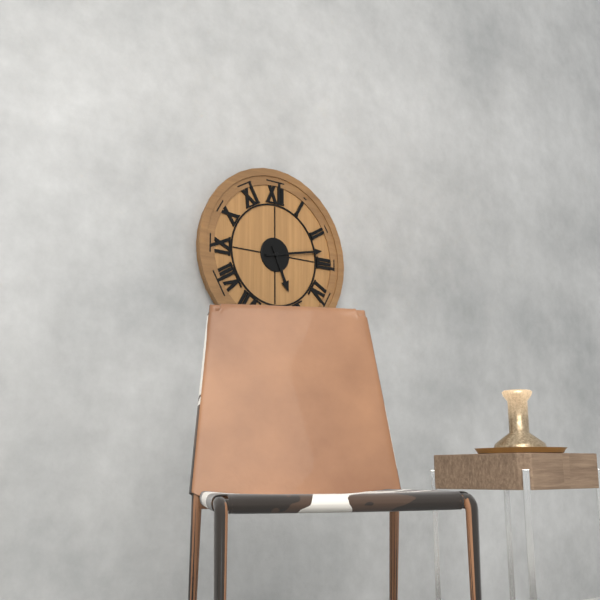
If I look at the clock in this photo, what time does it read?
5:13
